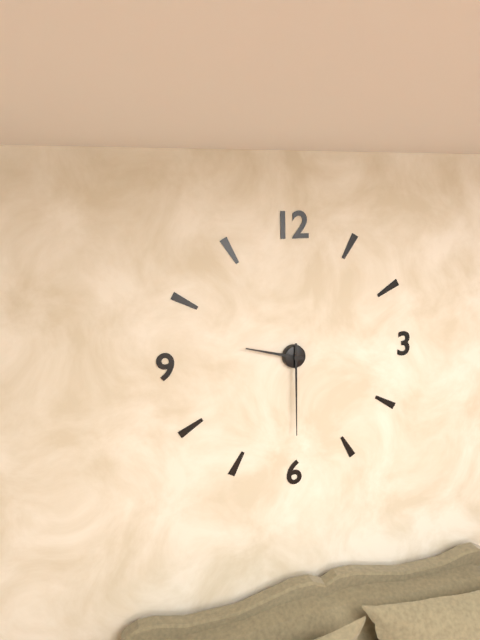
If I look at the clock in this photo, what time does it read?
9:30
